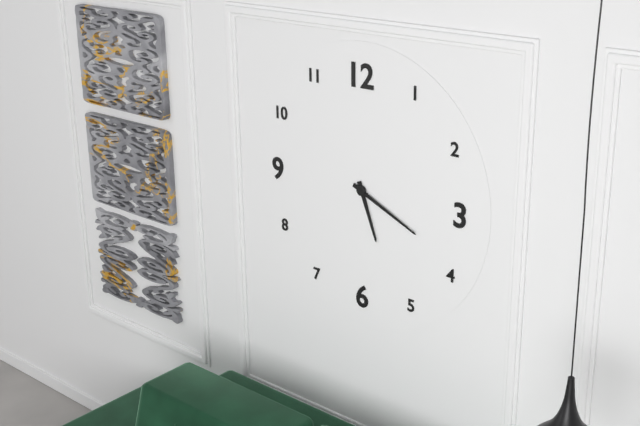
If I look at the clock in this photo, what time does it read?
5:19
